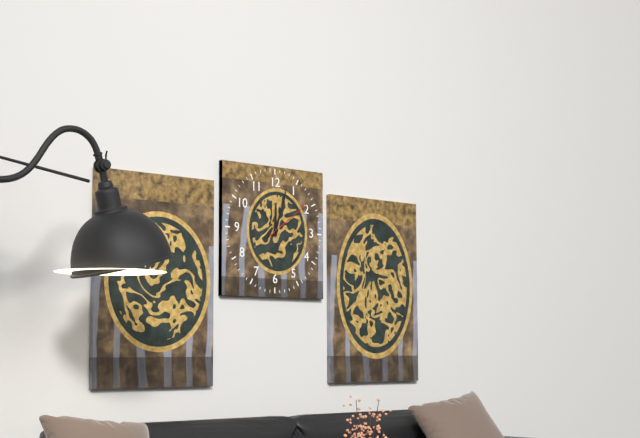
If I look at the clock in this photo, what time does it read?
12:03
